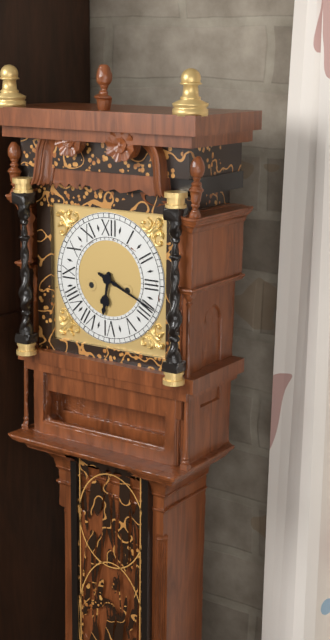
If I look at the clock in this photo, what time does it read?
6:19
